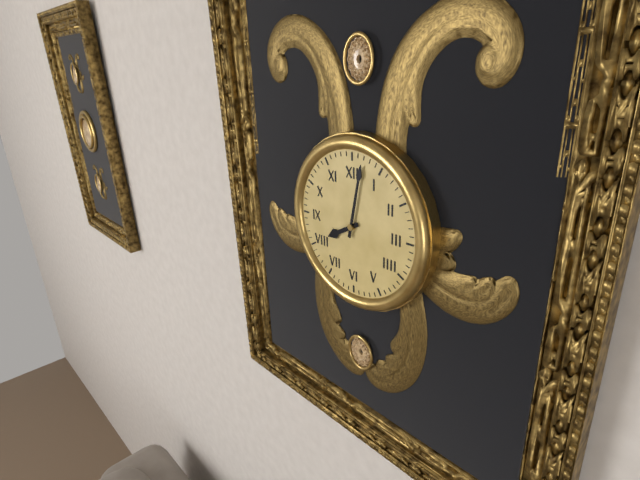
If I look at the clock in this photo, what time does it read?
8:02
